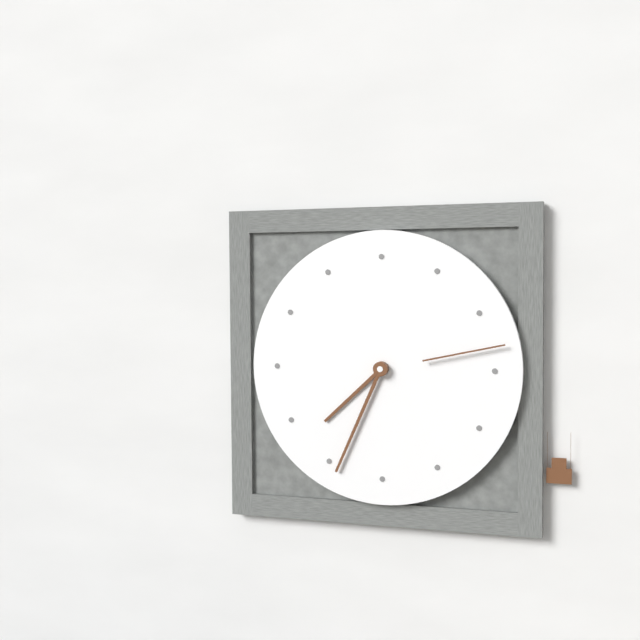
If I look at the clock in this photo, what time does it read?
7:34:13
